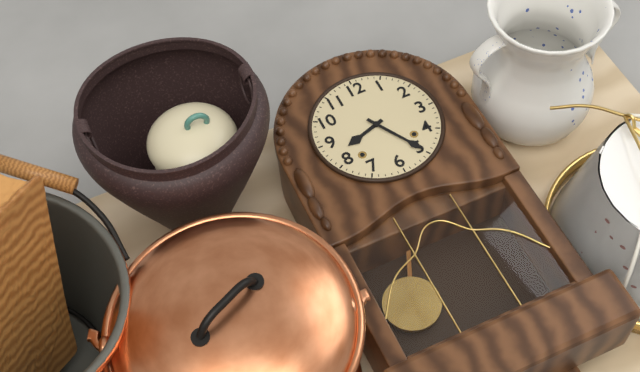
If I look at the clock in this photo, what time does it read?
8:25
